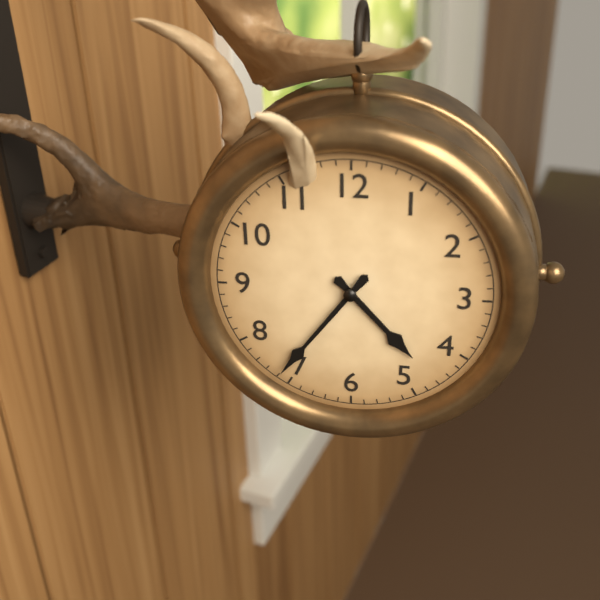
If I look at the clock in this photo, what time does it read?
4:36
